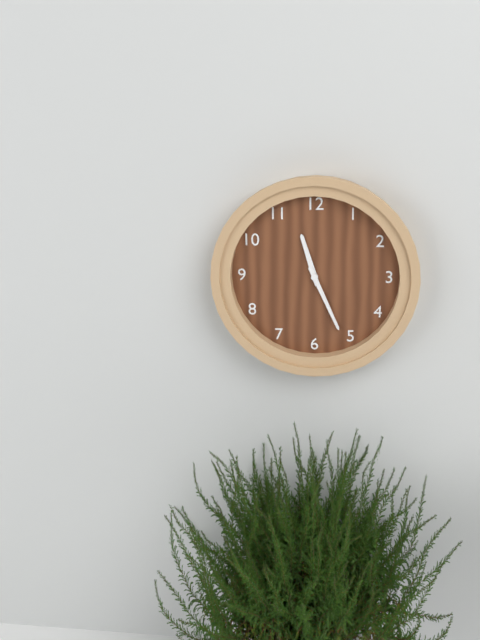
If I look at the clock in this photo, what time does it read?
11:26
